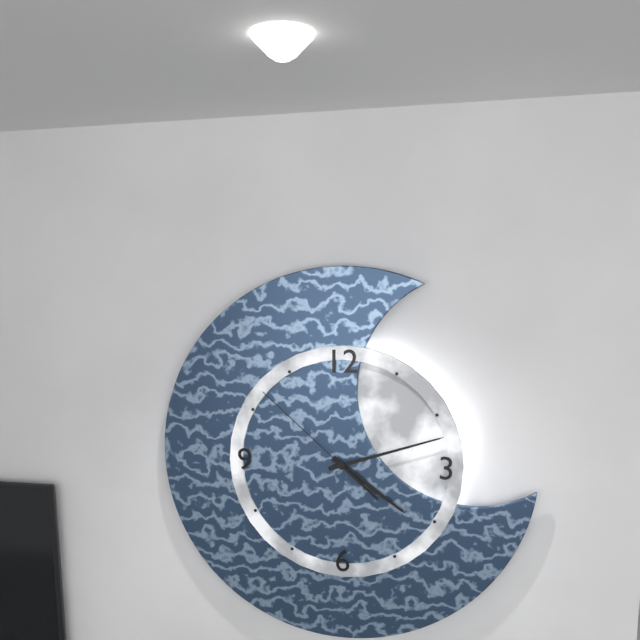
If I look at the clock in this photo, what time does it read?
4:12:52
